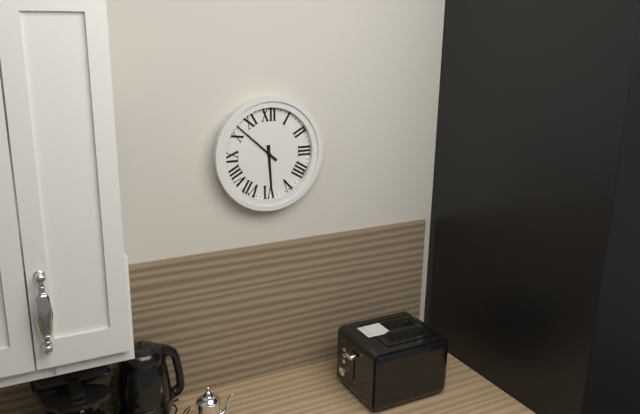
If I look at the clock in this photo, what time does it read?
5:52
